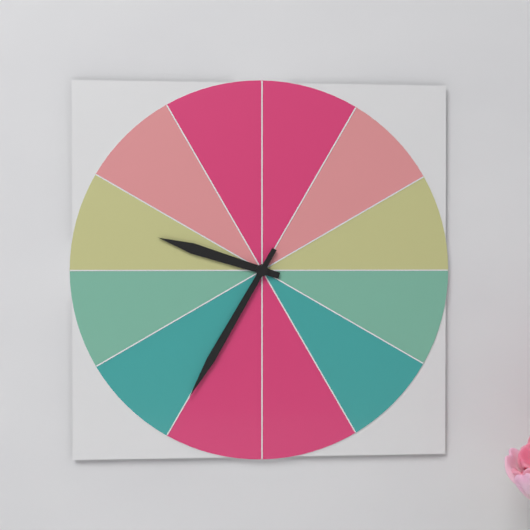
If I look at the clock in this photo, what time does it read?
9:35
